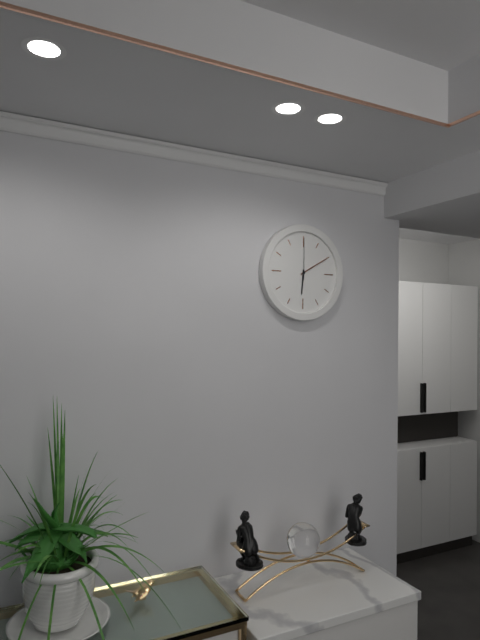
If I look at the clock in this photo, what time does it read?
6:10
